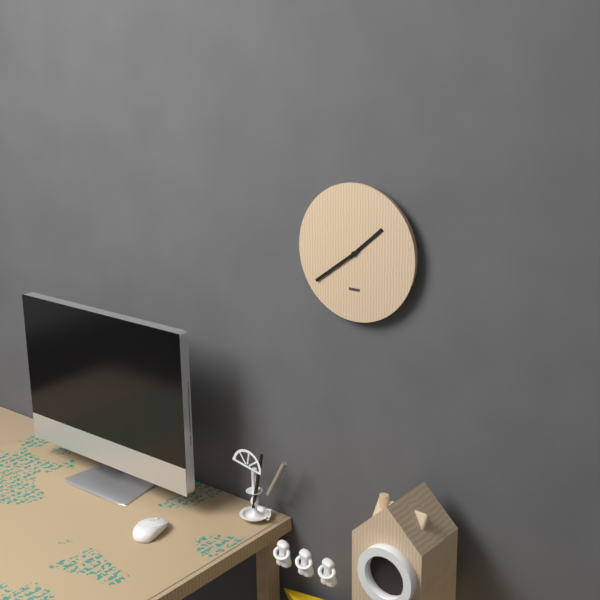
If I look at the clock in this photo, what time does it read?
1:39
